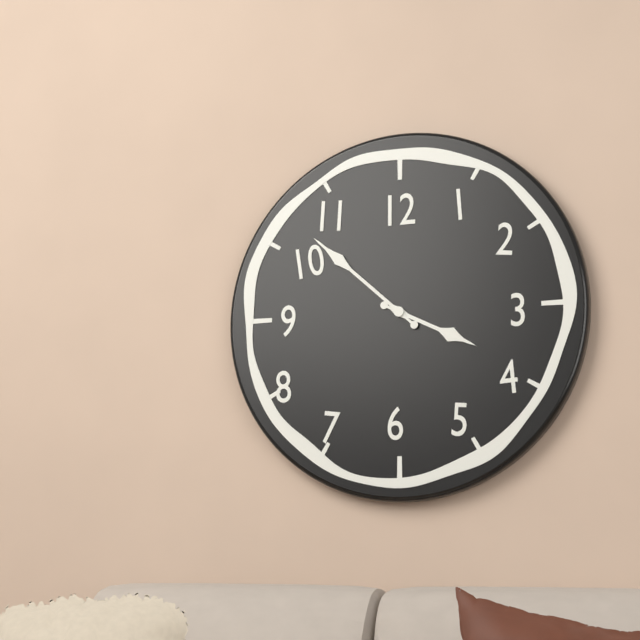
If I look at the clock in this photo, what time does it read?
3:52
